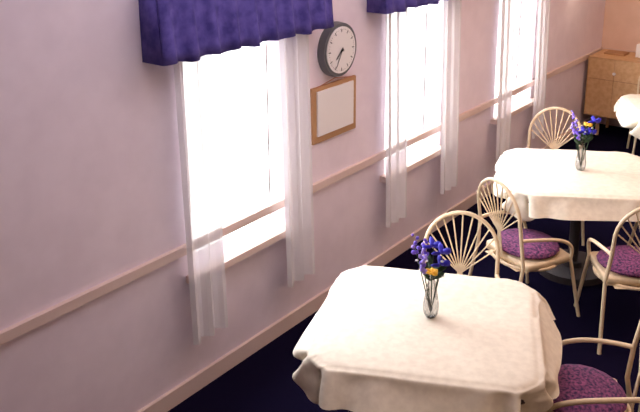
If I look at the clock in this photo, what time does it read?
7:35
